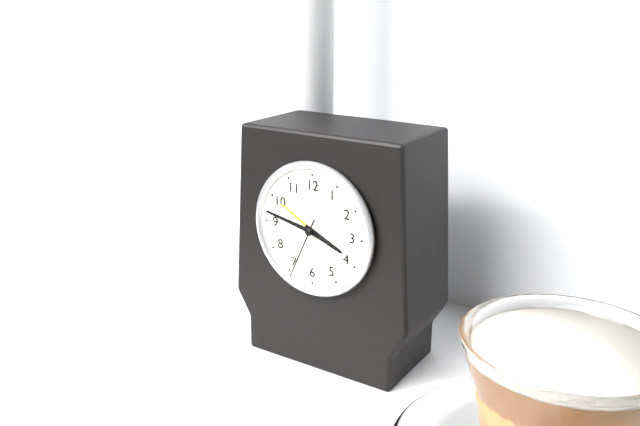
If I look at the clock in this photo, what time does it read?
3:47:34
